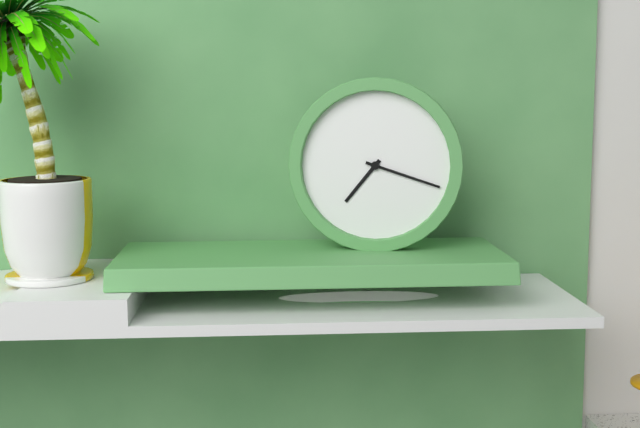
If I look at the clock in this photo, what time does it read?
7:18
